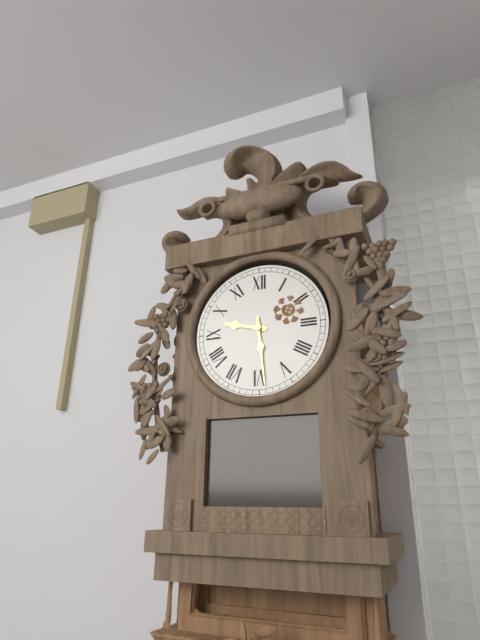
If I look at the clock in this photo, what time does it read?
9:29
